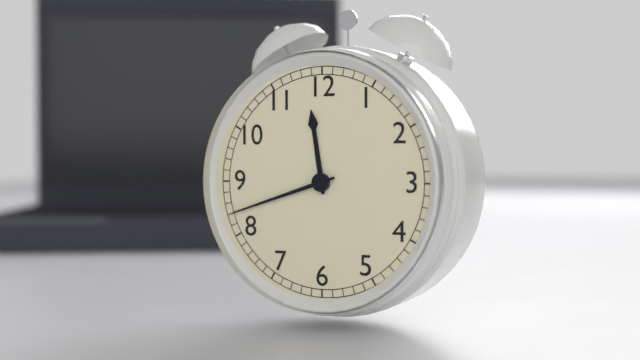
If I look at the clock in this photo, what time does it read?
11:42
